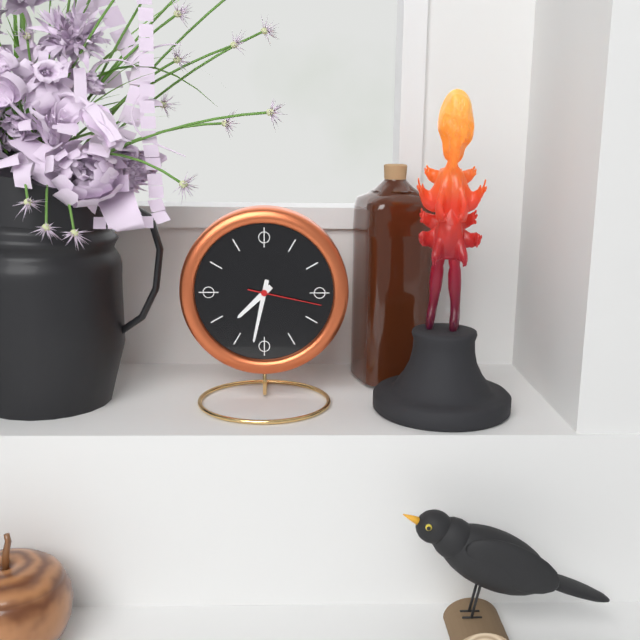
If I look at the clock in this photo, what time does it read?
7:32:17
